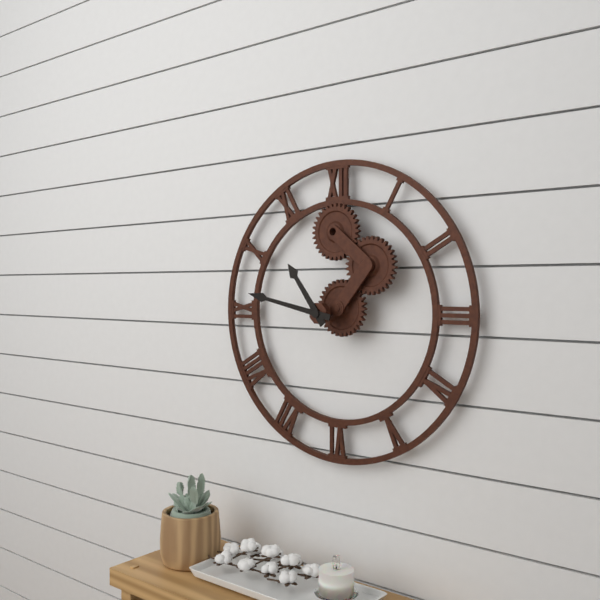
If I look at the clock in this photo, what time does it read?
10:47
